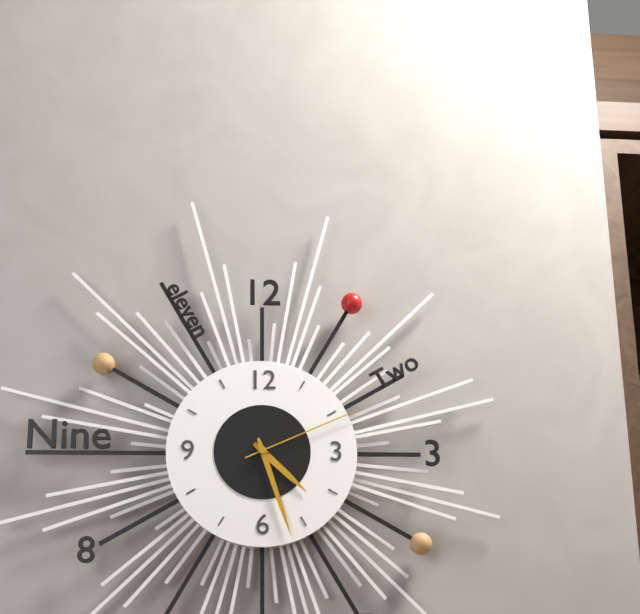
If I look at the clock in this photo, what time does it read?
4:27:11
